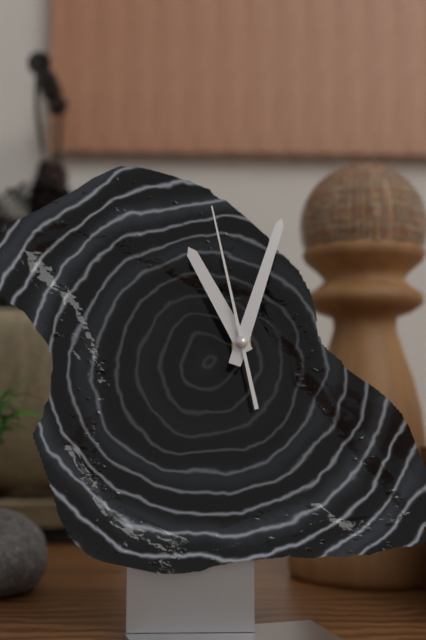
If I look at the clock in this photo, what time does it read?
11:03:58
